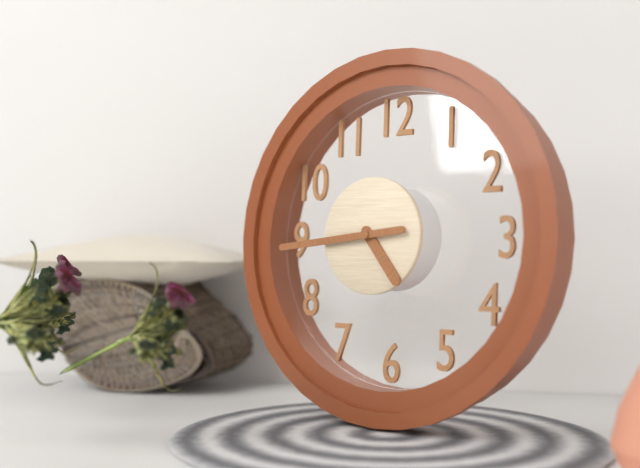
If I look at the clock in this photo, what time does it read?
4:44
